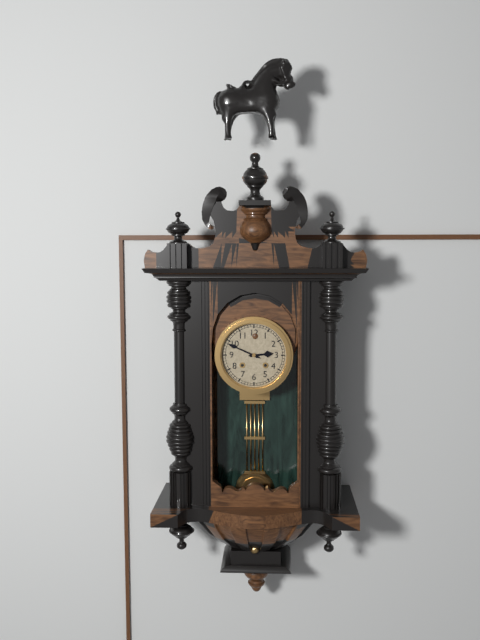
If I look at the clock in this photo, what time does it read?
2:49
